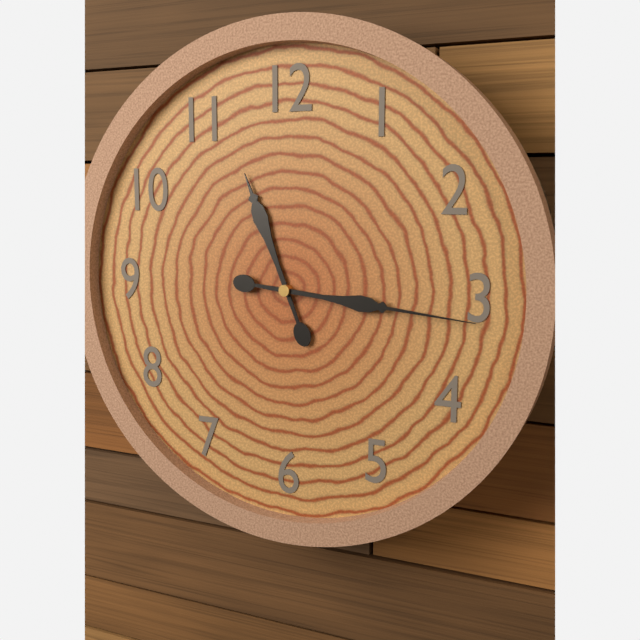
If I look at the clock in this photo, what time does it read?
11:16
